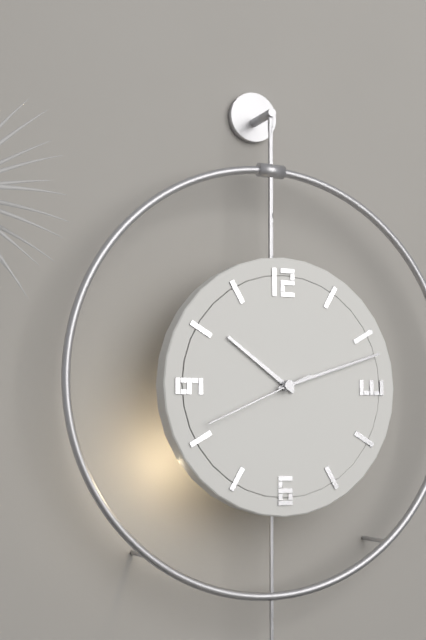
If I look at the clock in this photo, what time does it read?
10:12:41
